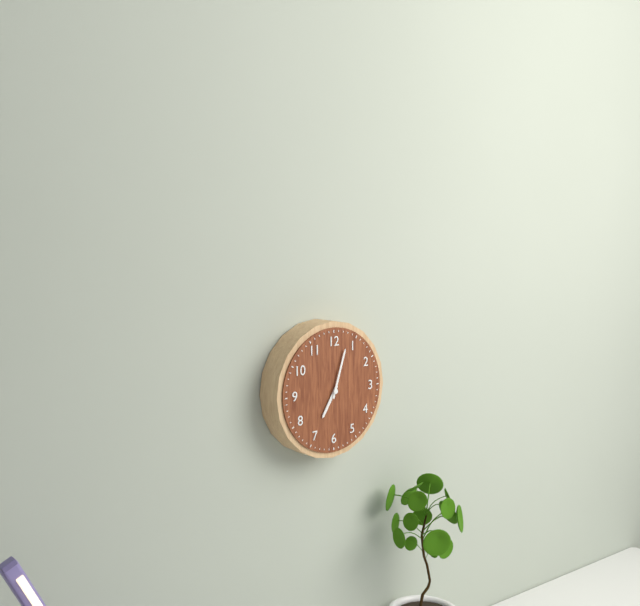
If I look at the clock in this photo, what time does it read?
7:03
